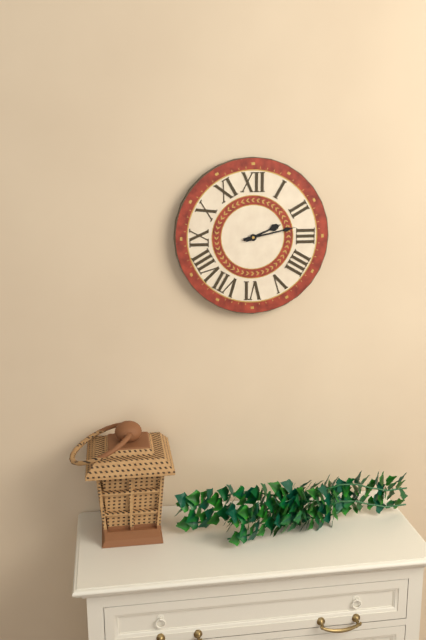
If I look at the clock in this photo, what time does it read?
2:13
